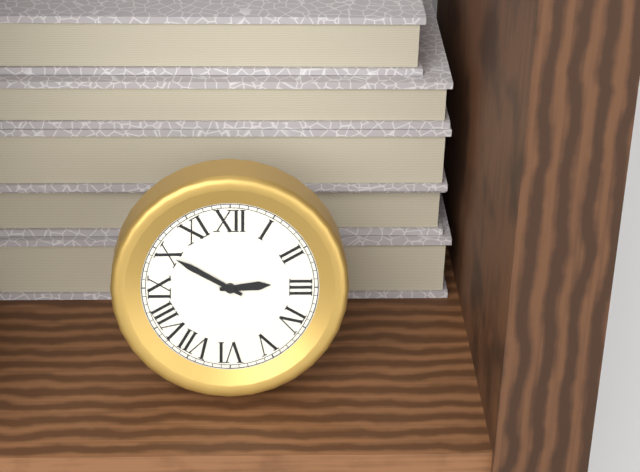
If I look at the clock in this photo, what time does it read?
2:50
